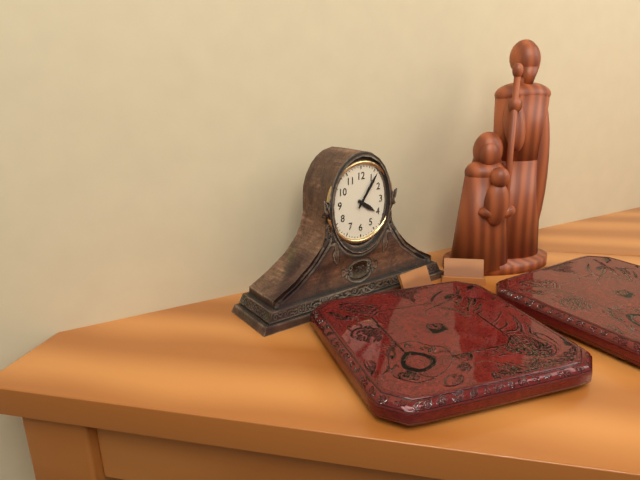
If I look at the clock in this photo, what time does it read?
4:06
